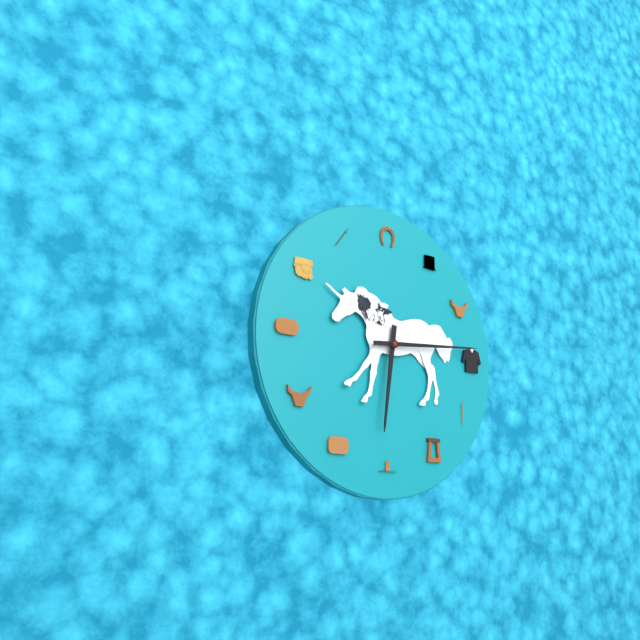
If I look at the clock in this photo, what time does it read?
6:14
